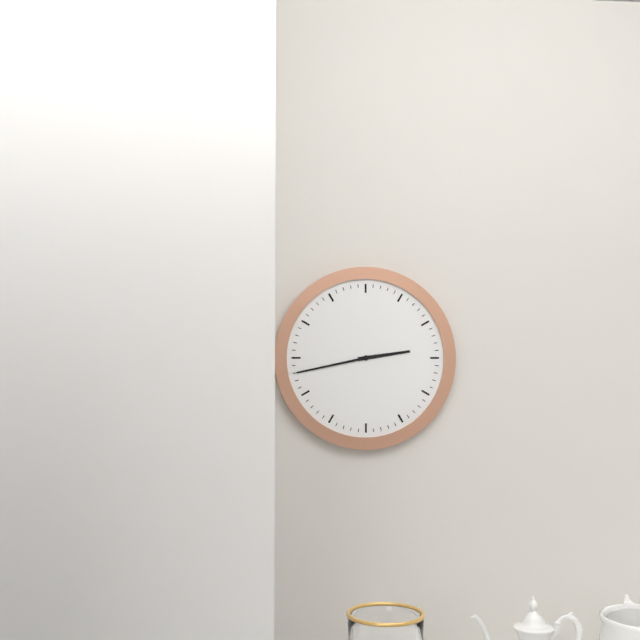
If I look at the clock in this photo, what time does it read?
2:43
